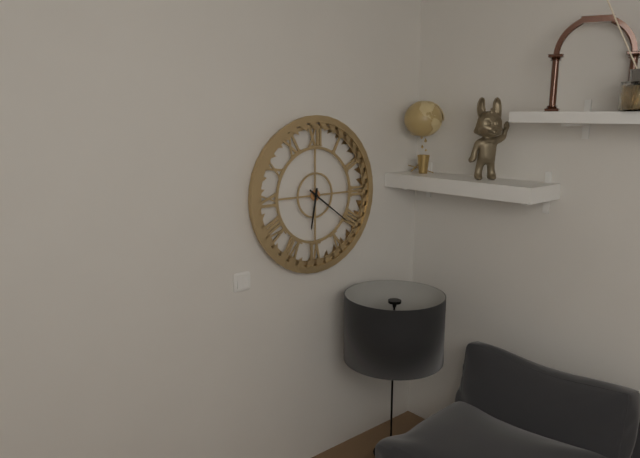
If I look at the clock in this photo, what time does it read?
6:21
